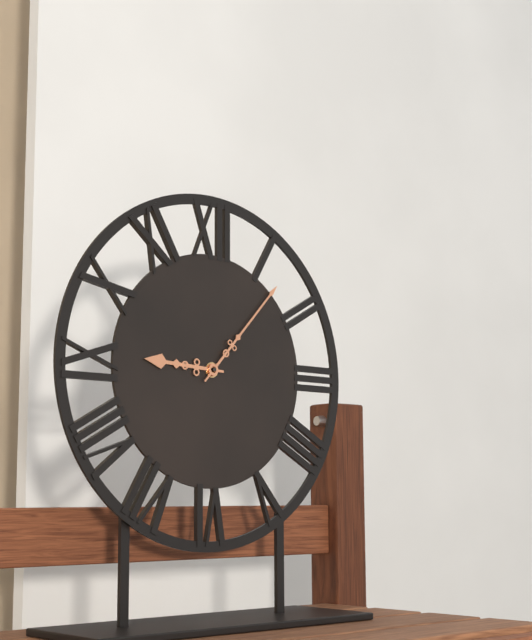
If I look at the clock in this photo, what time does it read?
9:07
